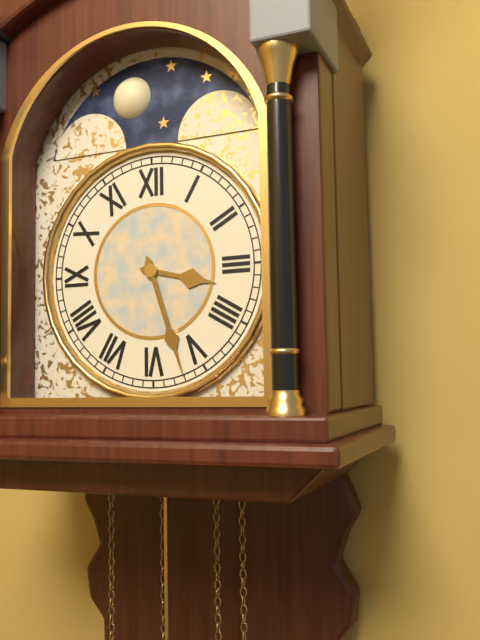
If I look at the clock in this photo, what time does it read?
3:27
